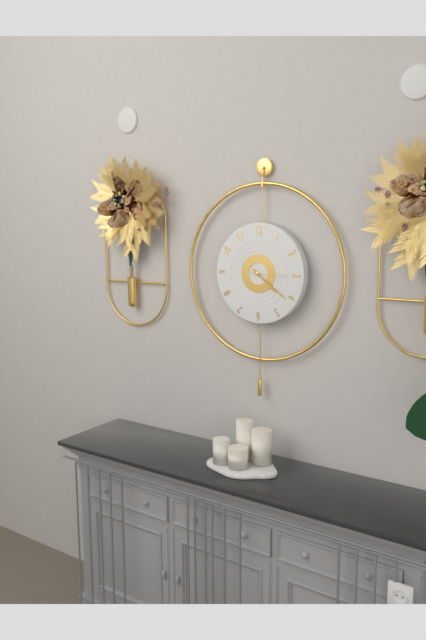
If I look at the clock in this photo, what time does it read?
4:21
